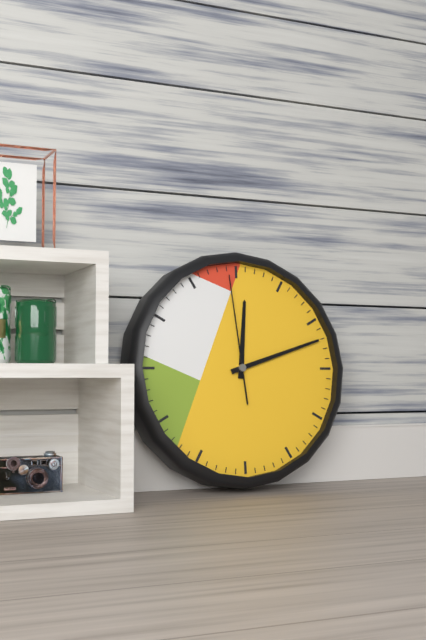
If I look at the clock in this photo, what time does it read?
12:12:59
